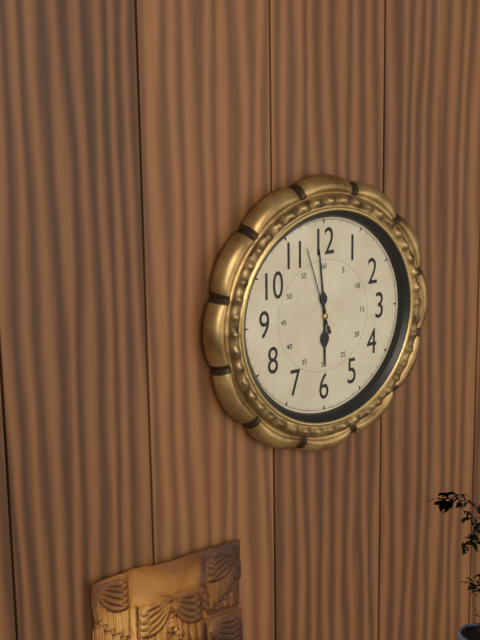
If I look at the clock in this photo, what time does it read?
5:59:57
